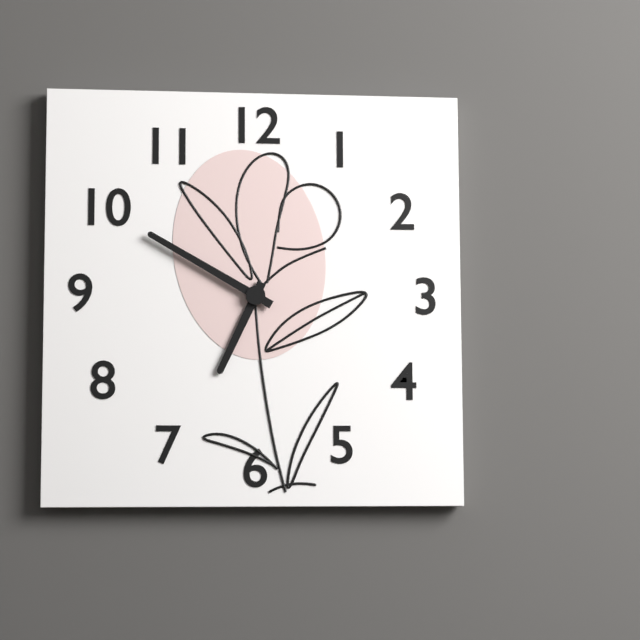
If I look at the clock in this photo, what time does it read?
6:50
